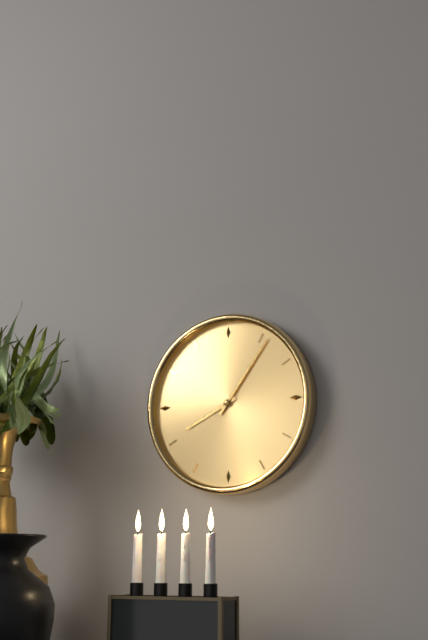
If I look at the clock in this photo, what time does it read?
8:06
